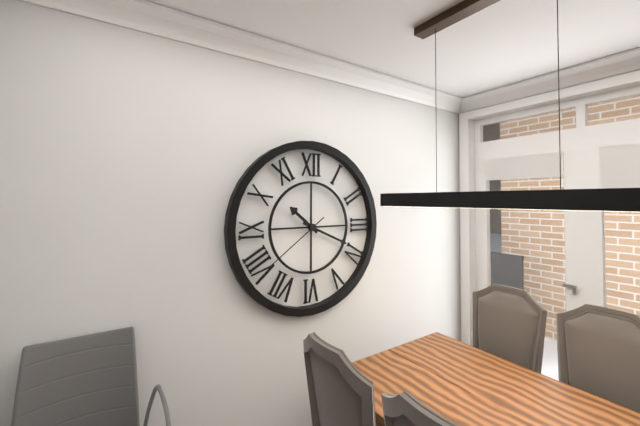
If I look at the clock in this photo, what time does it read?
10:19:39
